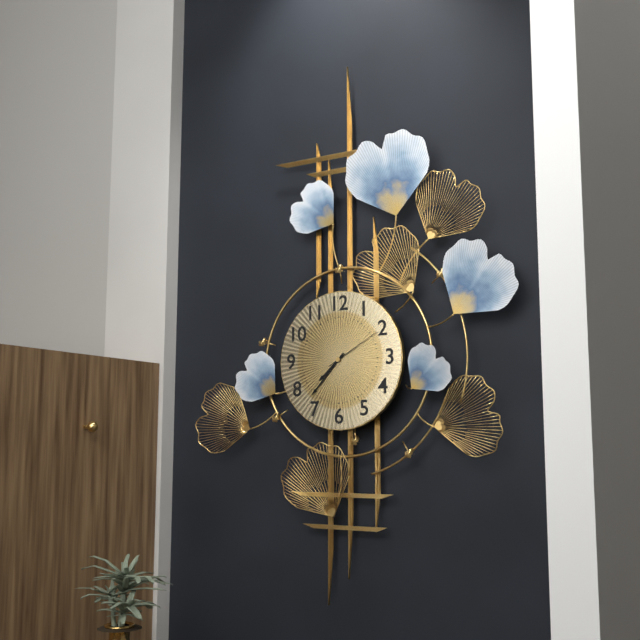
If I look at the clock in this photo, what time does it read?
7:37:10
